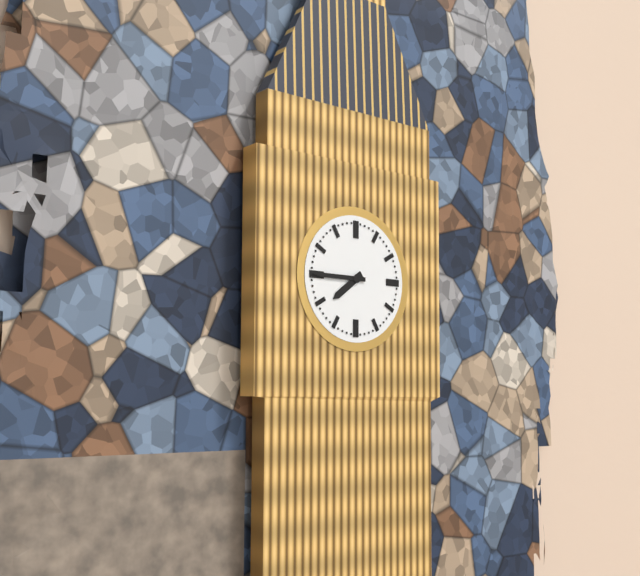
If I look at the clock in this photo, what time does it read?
7:45
